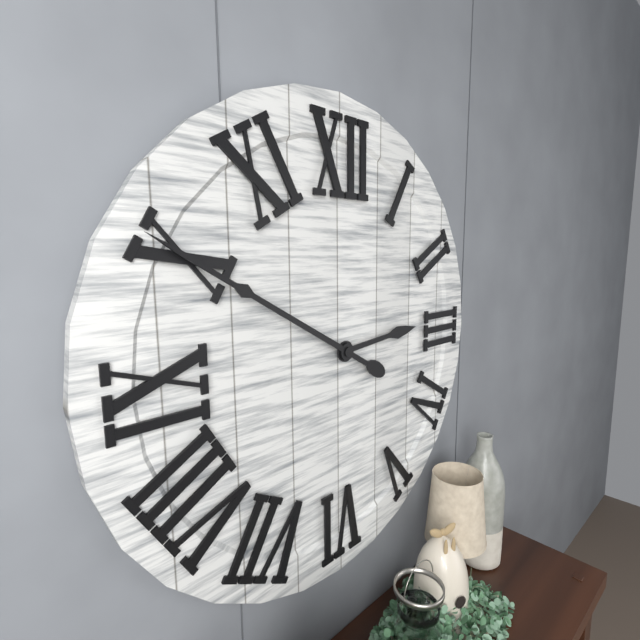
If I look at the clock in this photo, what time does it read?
2:50
